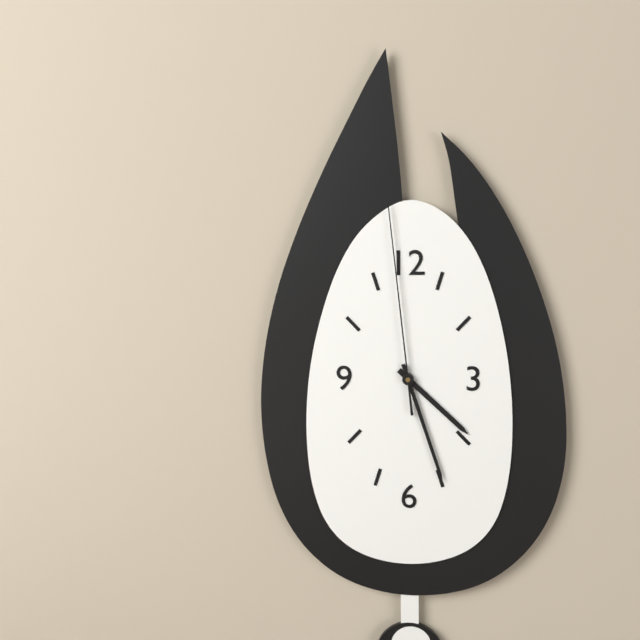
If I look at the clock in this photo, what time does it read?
4:27:59
